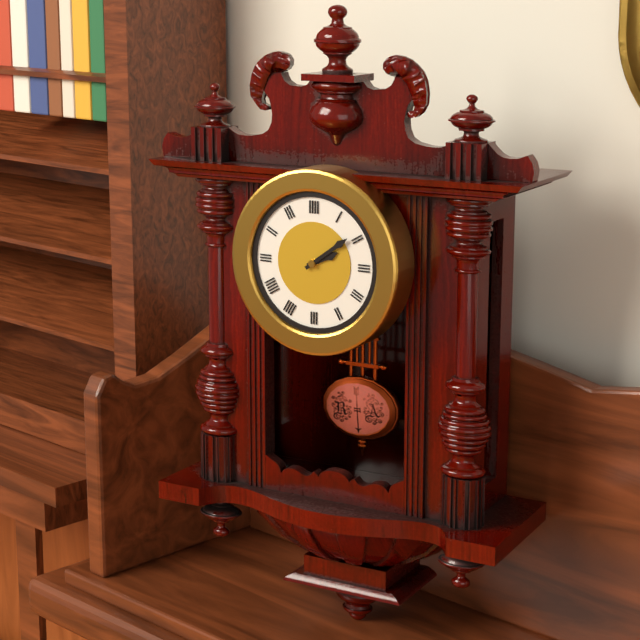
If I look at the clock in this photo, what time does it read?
2:09
